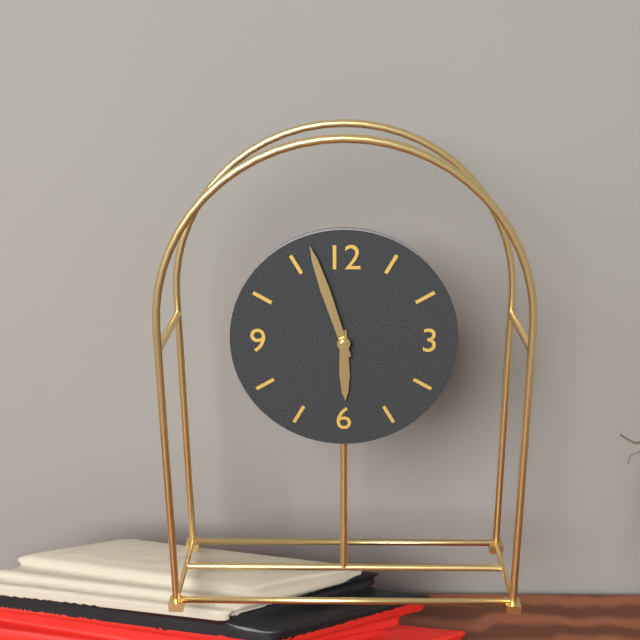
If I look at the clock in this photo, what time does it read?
5:57
